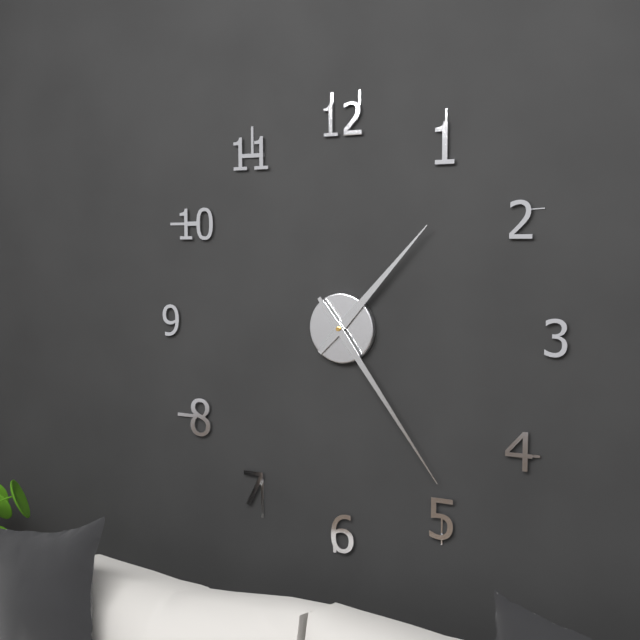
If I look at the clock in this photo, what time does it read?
1:24
